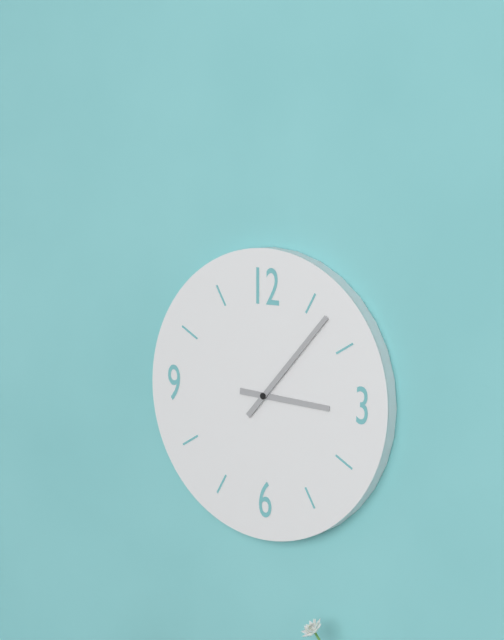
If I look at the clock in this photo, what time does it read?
3:07
